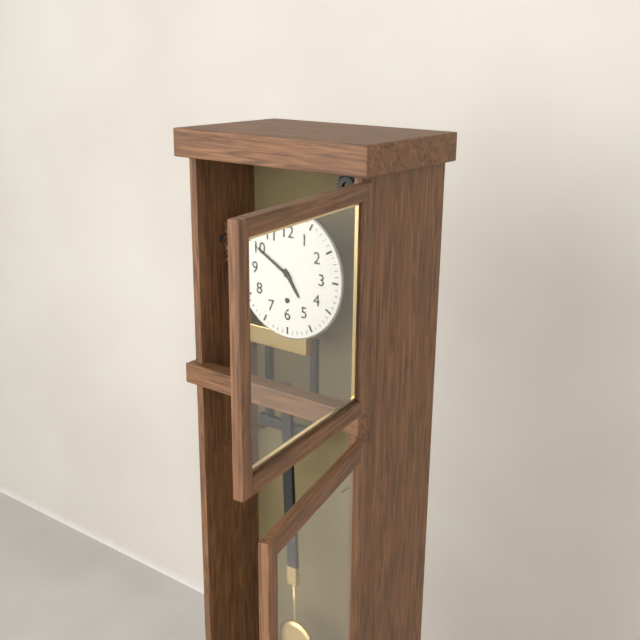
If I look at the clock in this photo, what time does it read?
4:50
